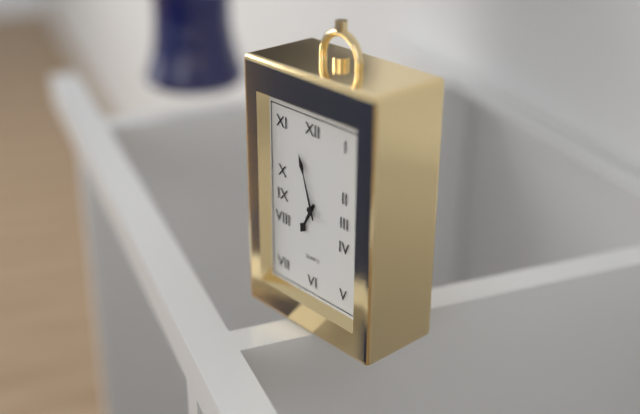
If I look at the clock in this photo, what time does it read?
6:57
